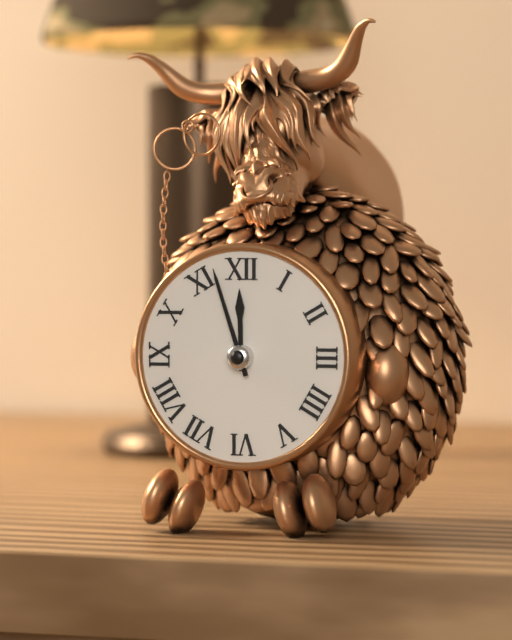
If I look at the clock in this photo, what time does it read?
11:57
